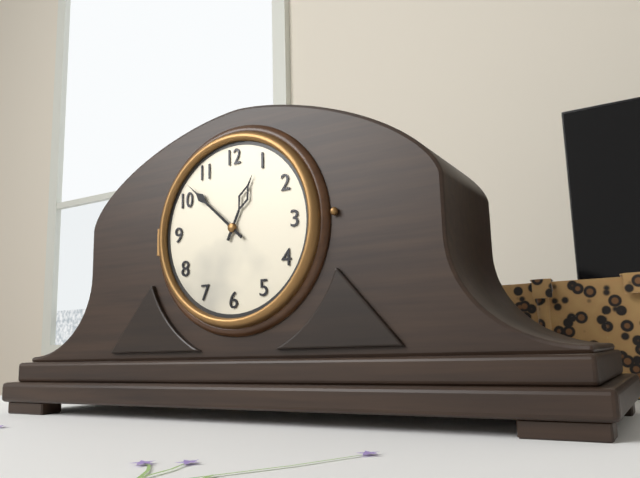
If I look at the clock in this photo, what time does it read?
12:52
